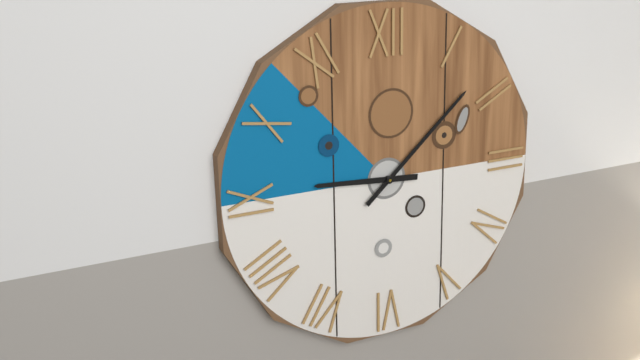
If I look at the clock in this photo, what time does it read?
9:08
